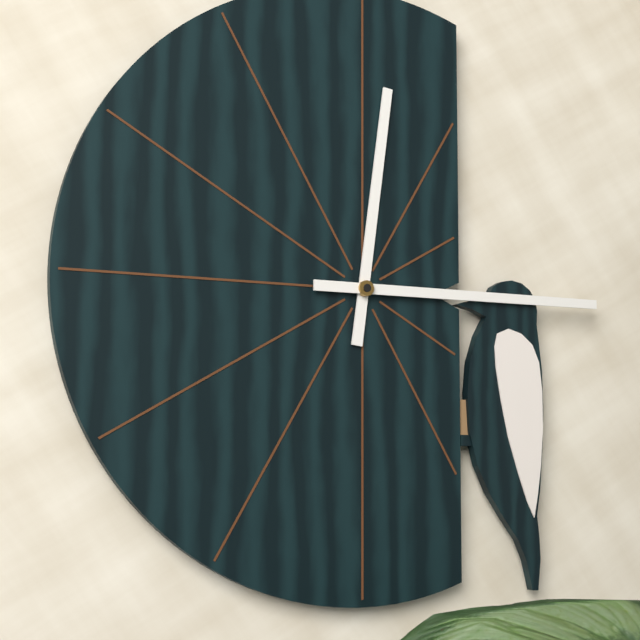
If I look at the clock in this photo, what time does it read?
12:15
